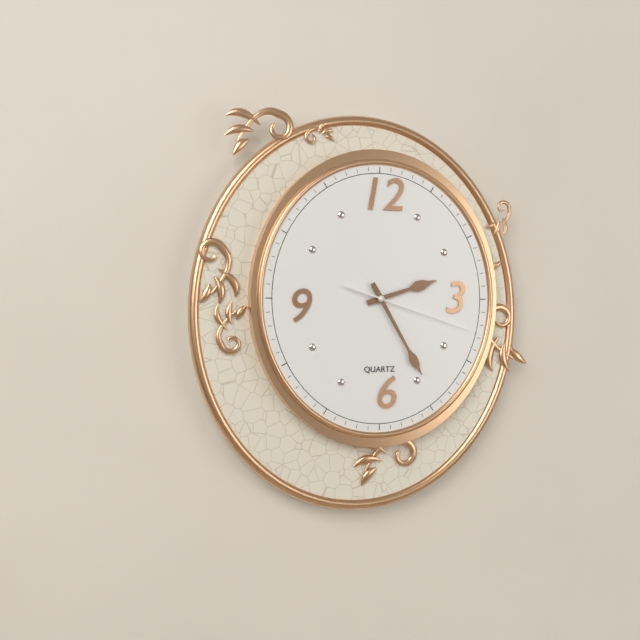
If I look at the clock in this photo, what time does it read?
2:25:18
